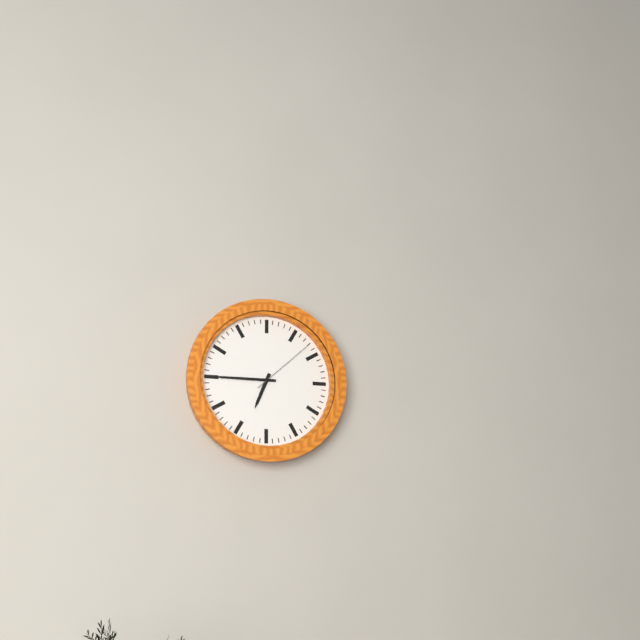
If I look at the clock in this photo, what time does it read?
6:45:08
